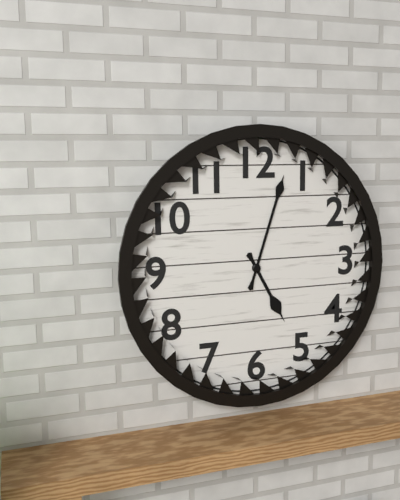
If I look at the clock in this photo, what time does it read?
5:03
